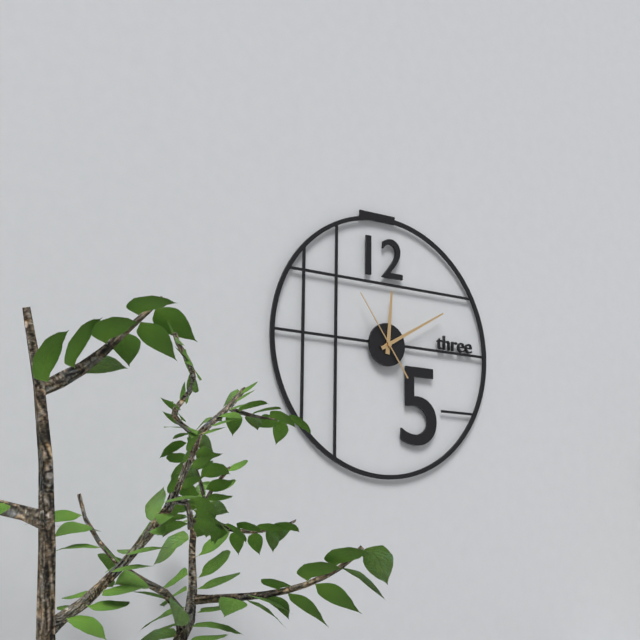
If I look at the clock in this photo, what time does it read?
12:10:54
